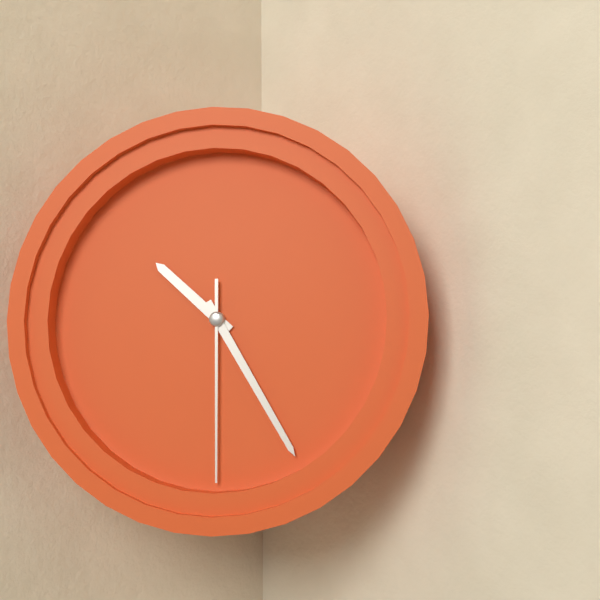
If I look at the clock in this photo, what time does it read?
10:25:30
